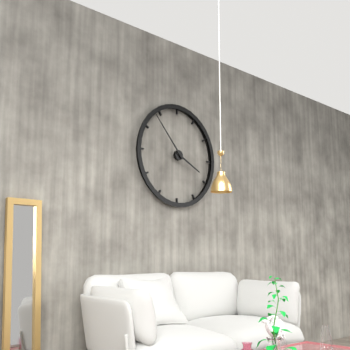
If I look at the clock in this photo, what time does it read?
3:53
